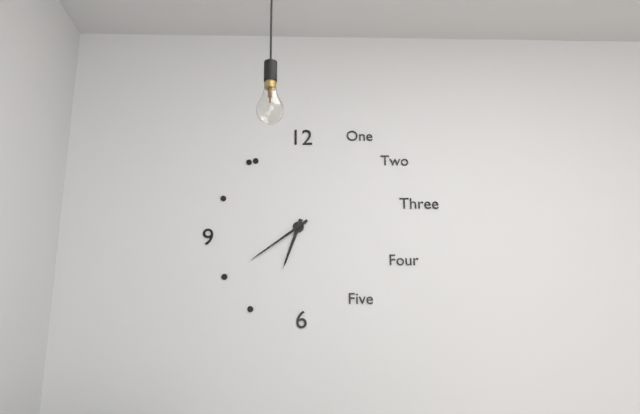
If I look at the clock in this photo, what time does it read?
6:39
